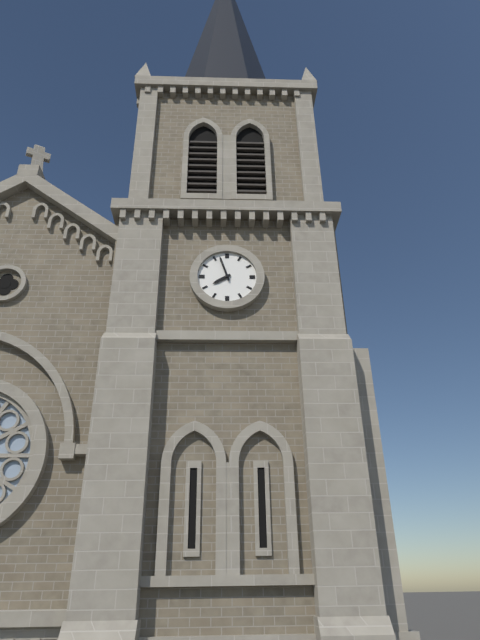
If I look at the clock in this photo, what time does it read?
7:57
